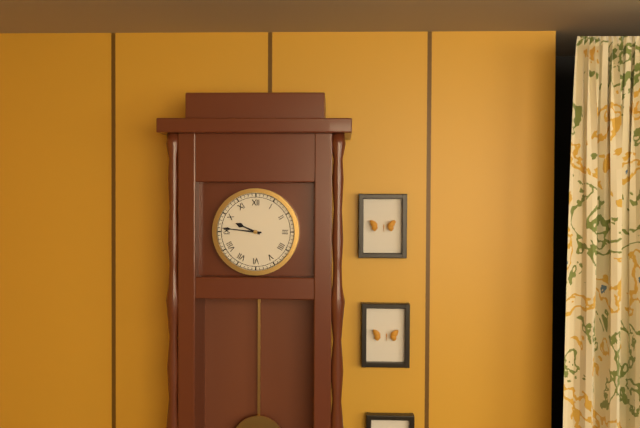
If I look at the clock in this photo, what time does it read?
9:46
